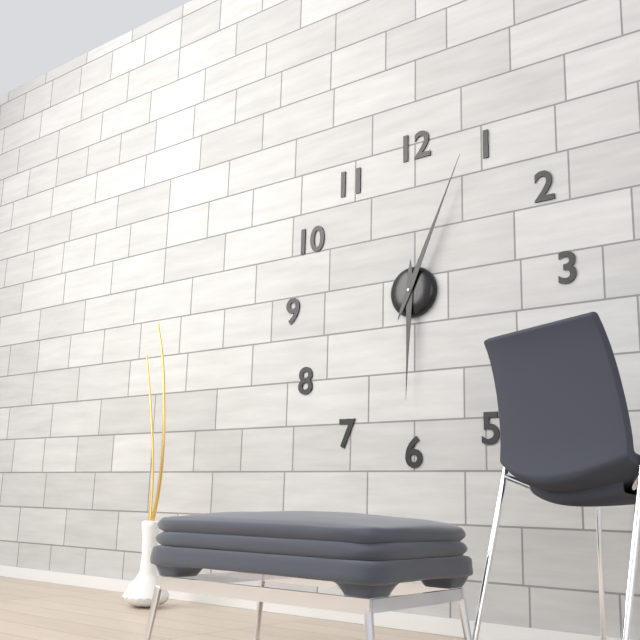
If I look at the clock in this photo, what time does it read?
6:04
